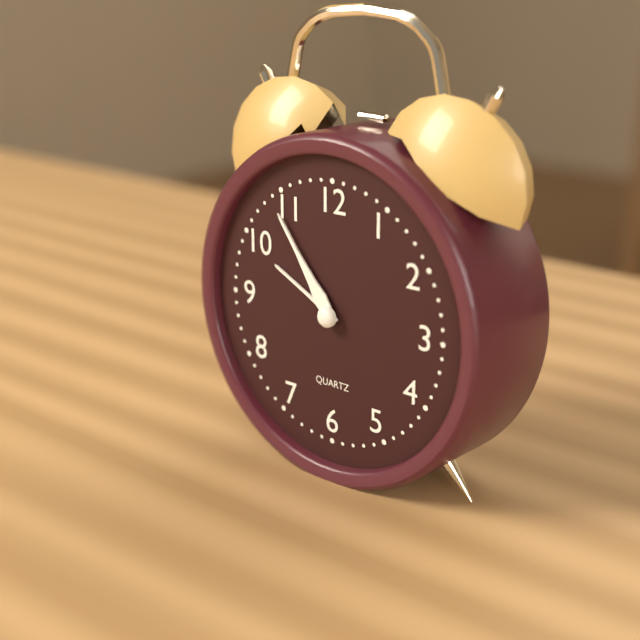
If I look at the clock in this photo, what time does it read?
9:54
